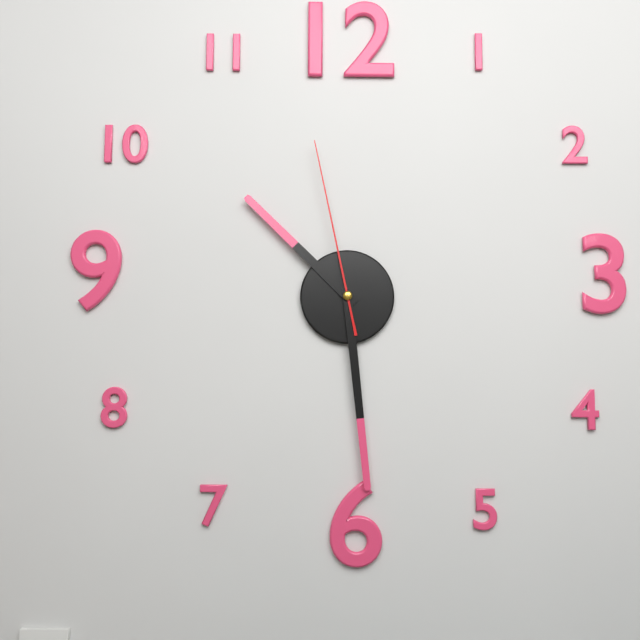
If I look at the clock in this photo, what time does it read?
10:29:58
